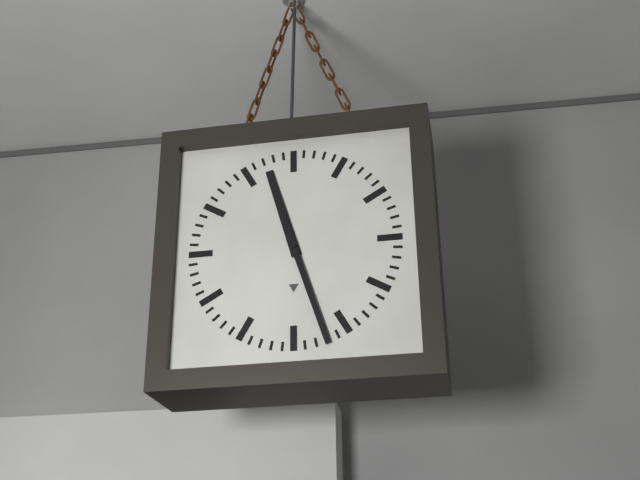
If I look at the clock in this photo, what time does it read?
11:27
